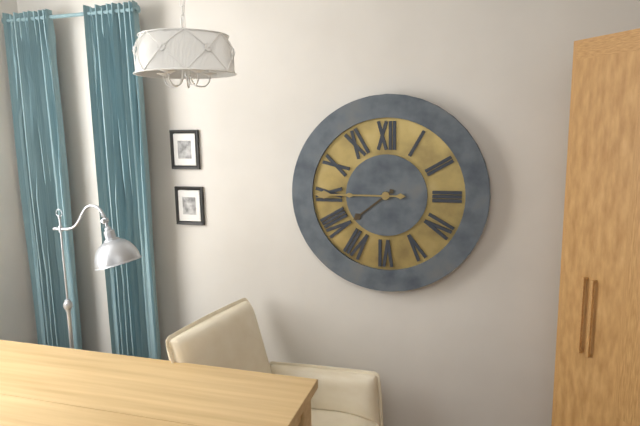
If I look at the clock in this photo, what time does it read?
7:45
